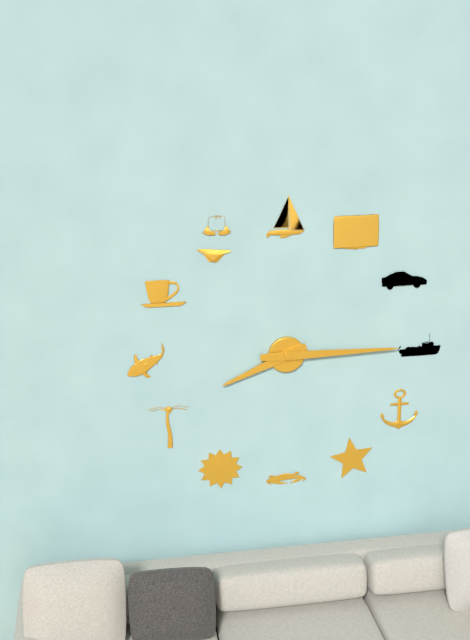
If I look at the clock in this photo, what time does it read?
8:15
